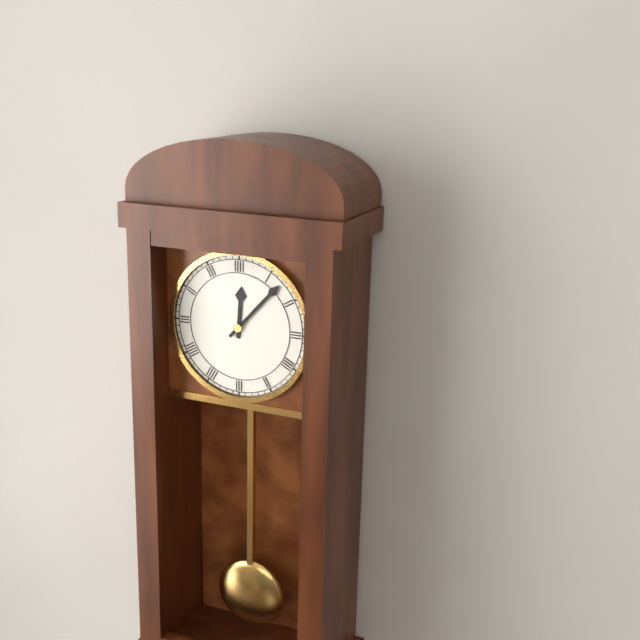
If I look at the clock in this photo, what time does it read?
12:07
